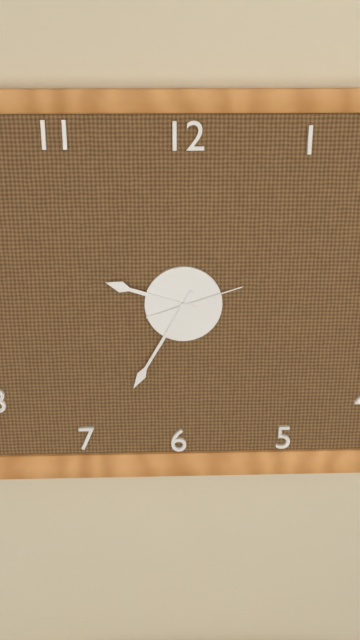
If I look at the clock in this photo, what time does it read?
9:35:12
